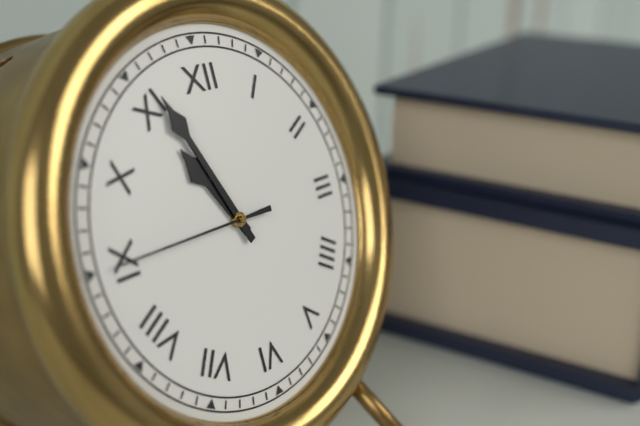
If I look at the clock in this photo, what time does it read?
10:56:45
